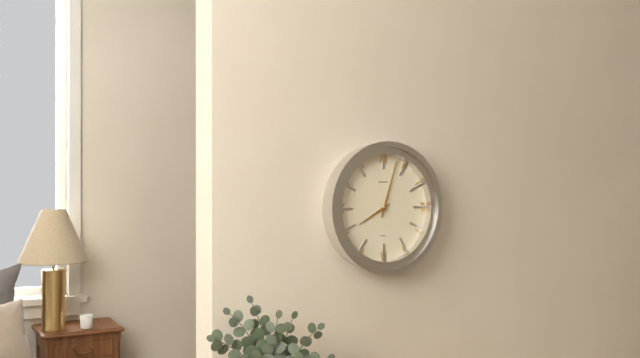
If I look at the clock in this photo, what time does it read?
8:03
